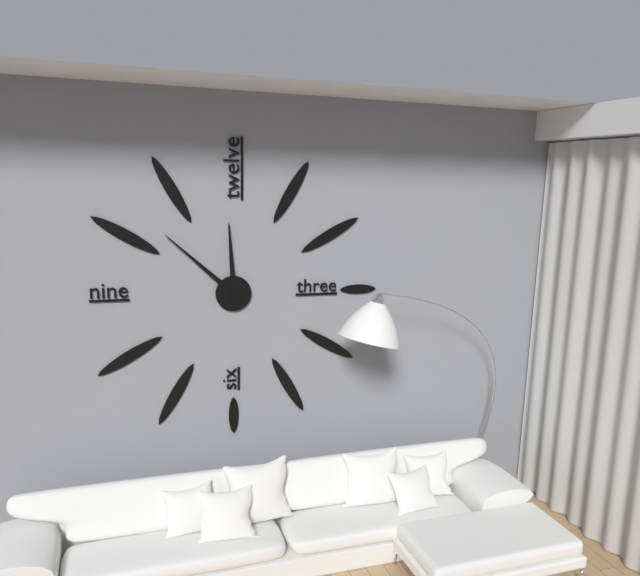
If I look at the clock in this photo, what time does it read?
11:52
